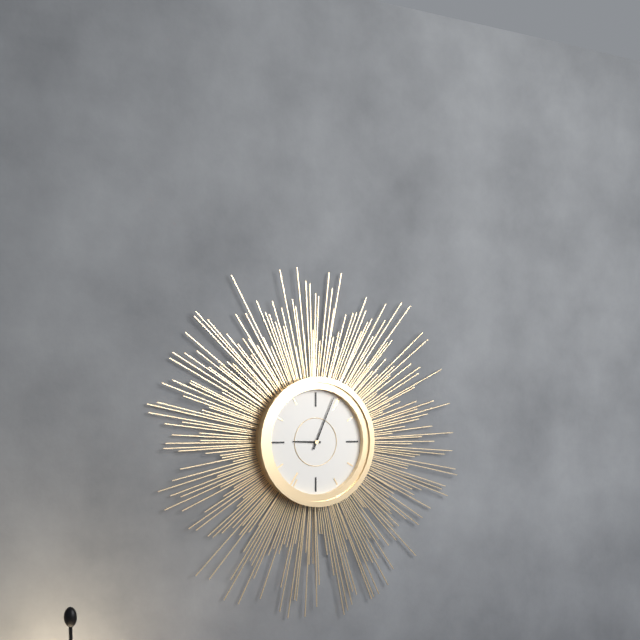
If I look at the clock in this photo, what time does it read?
9:04
